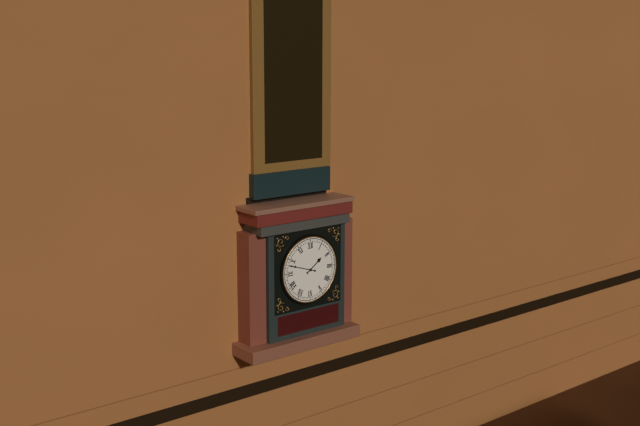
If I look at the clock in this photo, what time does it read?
1:48
